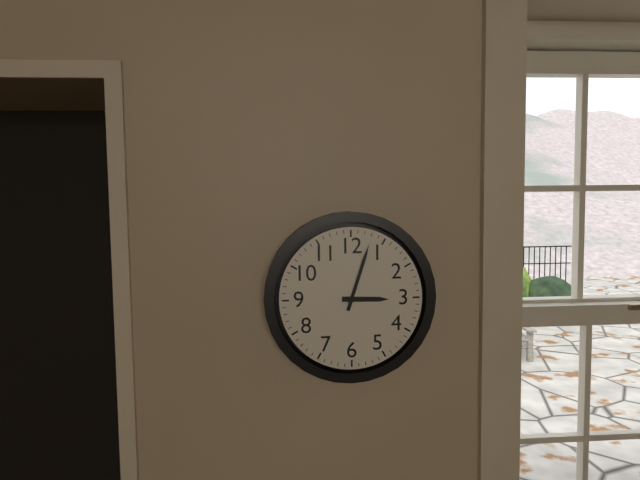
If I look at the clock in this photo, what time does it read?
3:03
